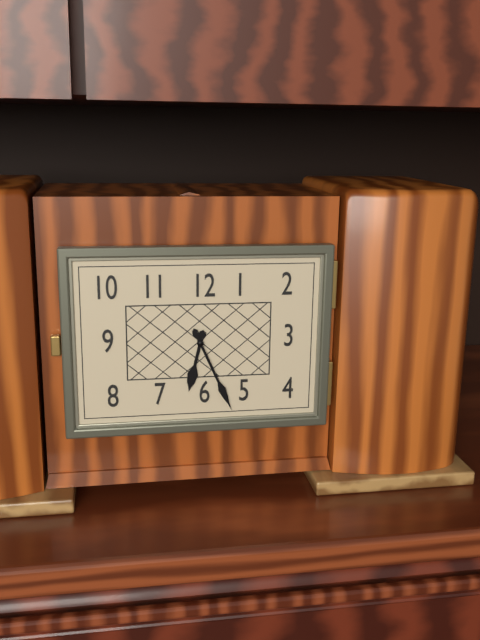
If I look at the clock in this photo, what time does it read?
6:26
